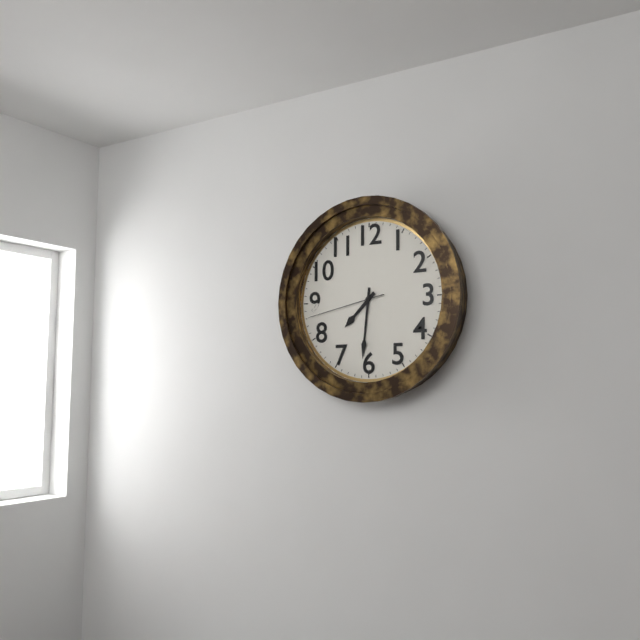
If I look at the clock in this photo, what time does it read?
7:31:43
